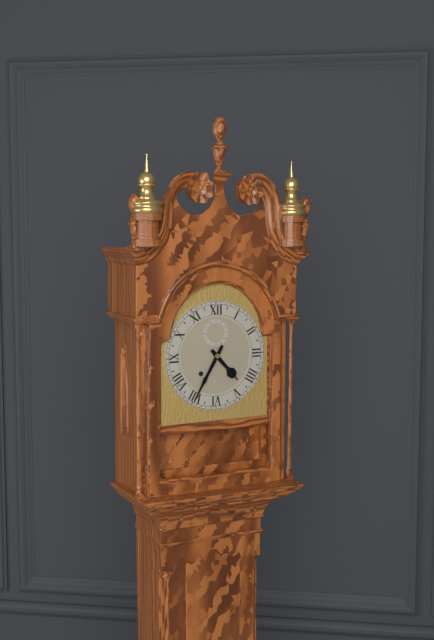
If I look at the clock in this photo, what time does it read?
4:35
